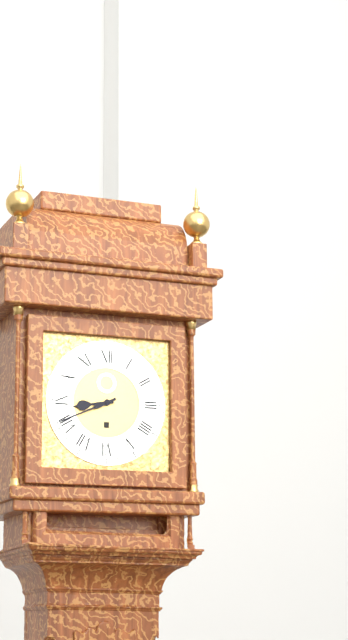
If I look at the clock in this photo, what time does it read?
8:41
